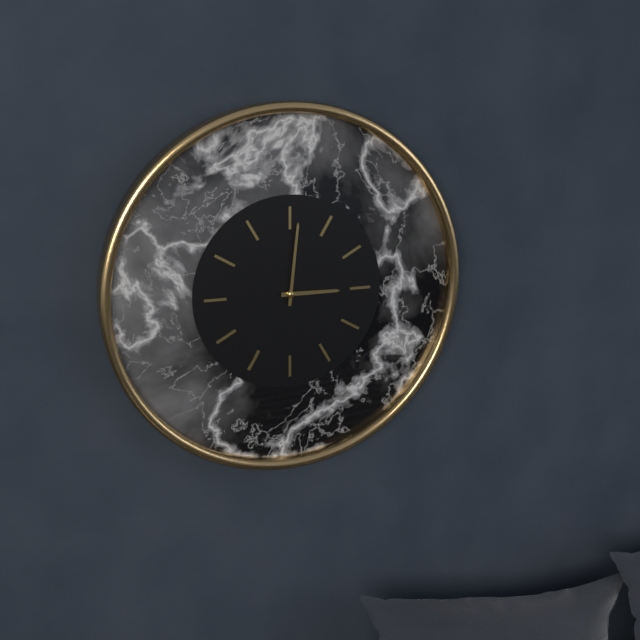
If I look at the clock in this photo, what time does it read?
3:01
